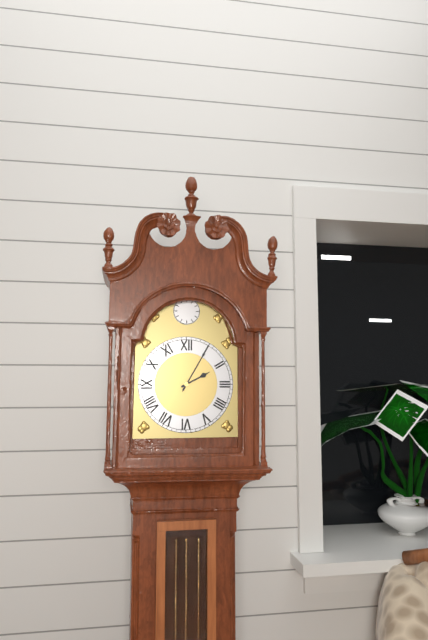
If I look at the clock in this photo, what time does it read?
2:05
